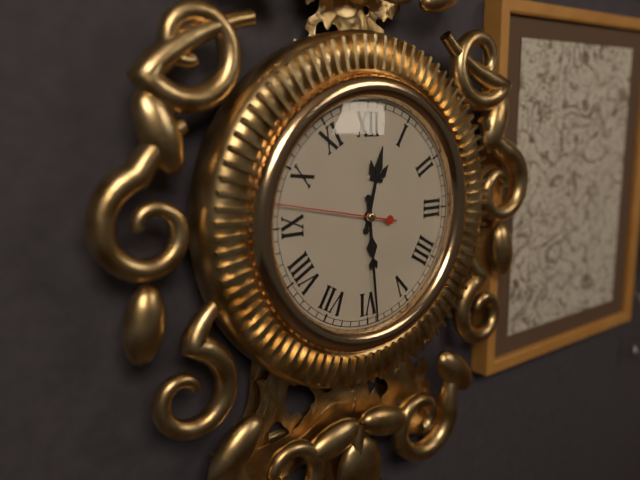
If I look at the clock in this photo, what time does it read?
12:29:47
